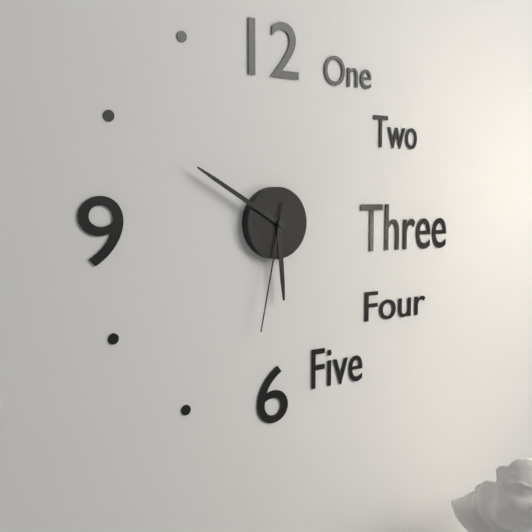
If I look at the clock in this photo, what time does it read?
5:50:32
